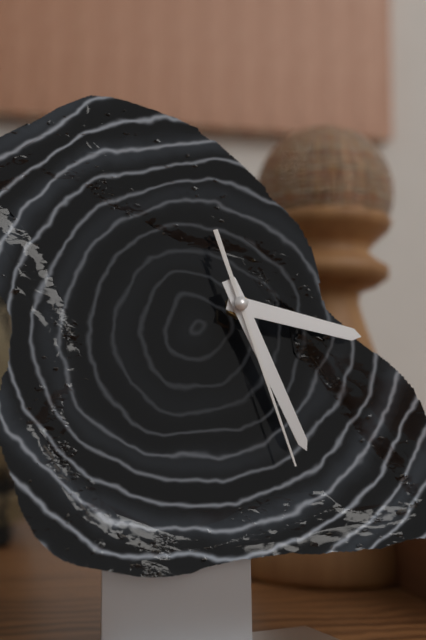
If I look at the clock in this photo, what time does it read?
3:26:27
